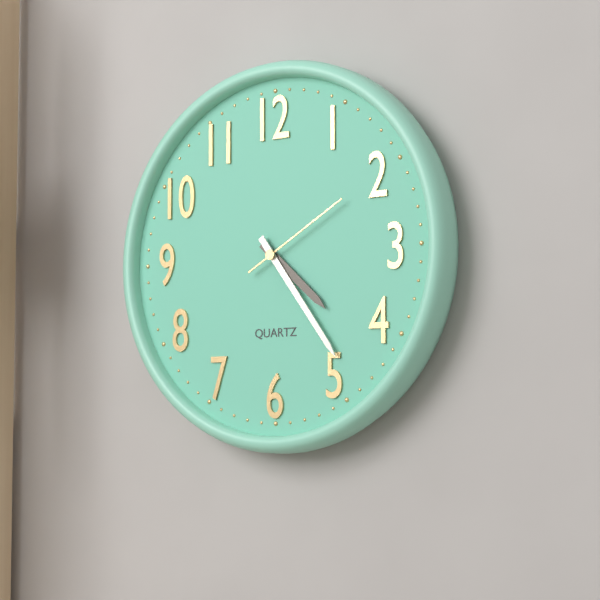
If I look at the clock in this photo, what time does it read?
4:24:10
